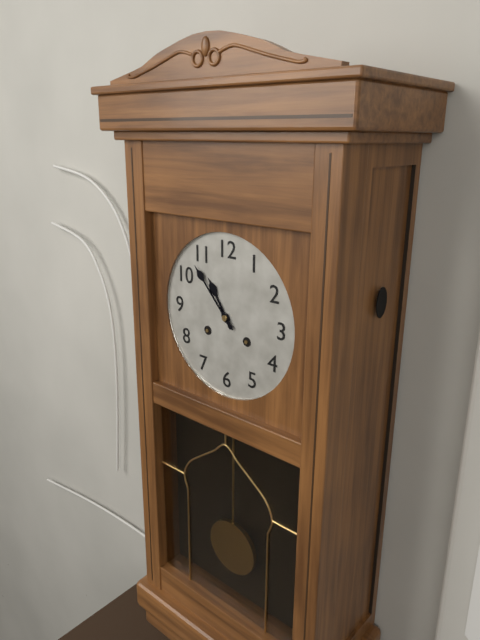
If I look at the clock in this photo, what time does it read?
10:53
